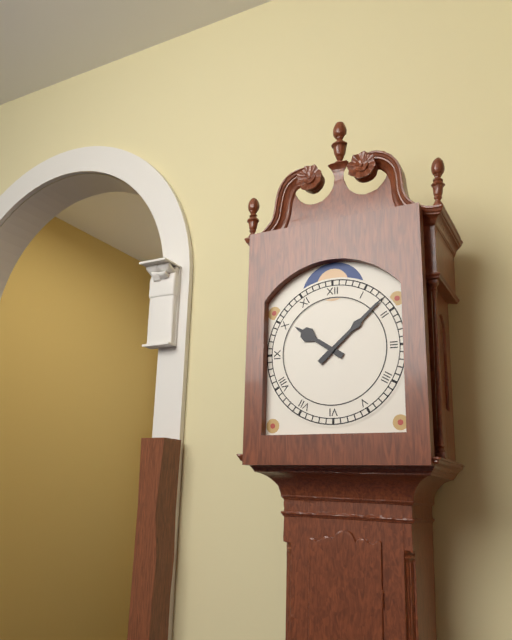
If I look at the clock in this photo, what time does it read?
10:08
